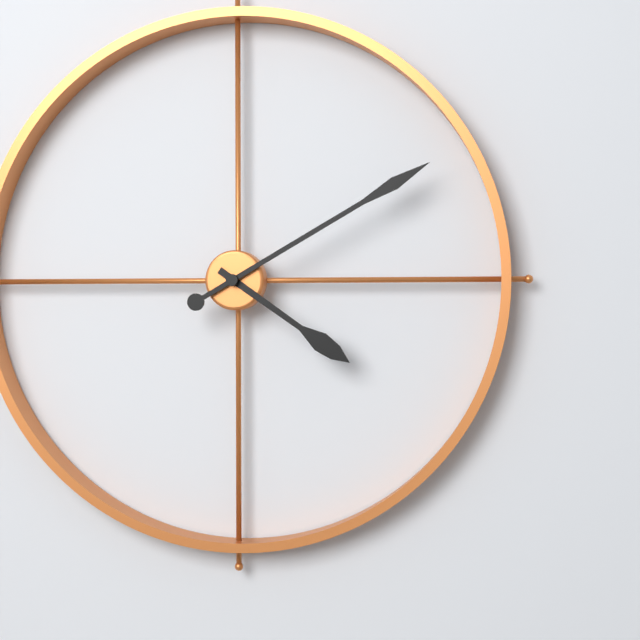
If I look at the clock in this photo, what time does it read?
4:10
